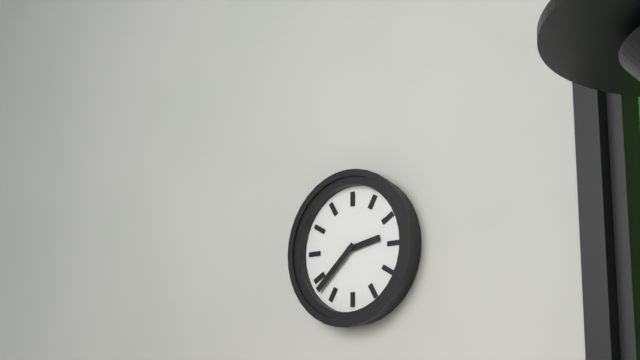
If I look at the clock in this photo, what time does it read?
2:38
